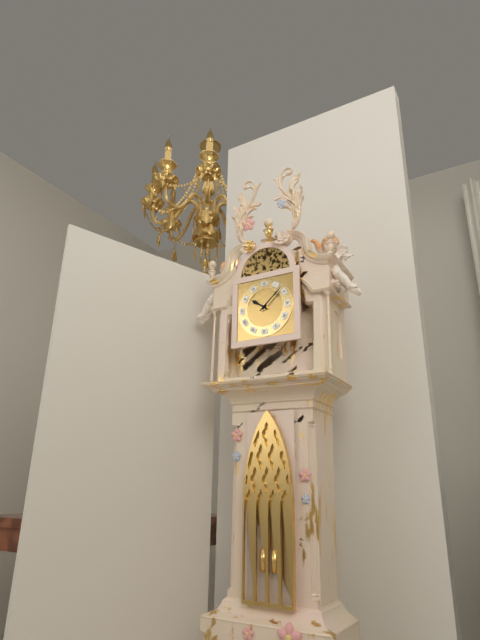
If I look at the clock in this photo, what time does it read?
10:08
